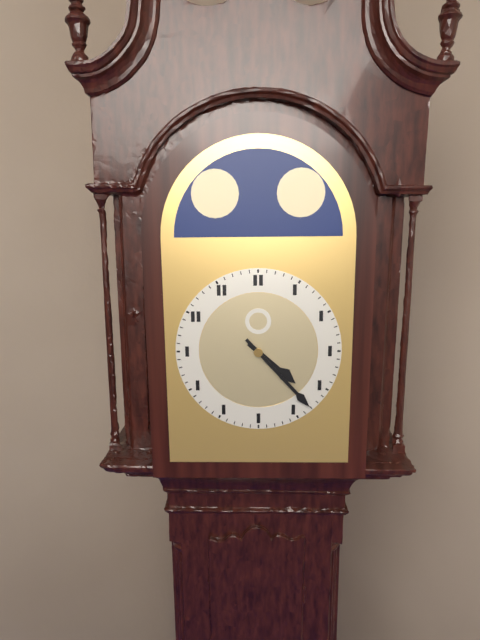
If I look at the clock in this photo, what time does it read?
4:23
